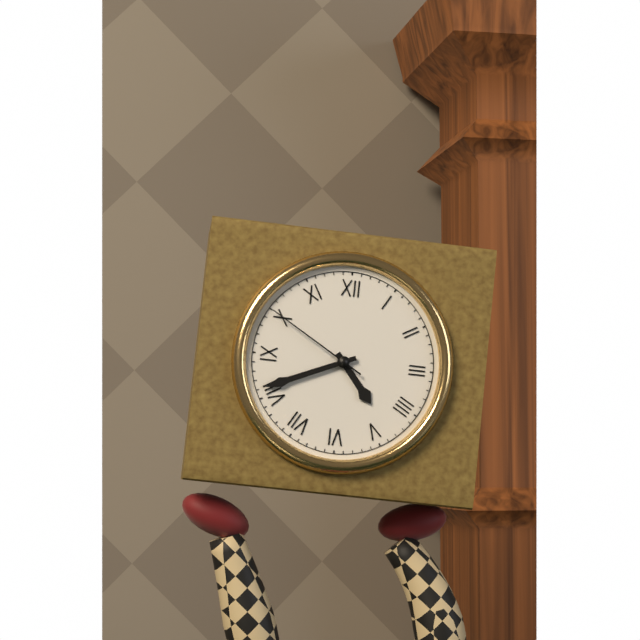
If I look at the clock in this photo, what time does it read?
4:41:50
